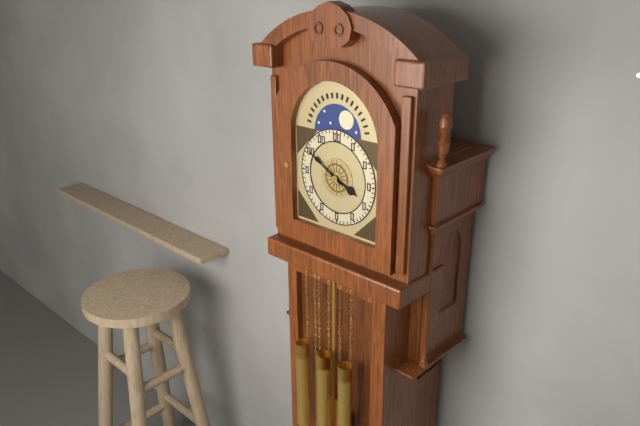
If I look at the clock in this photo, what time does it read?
3:50
